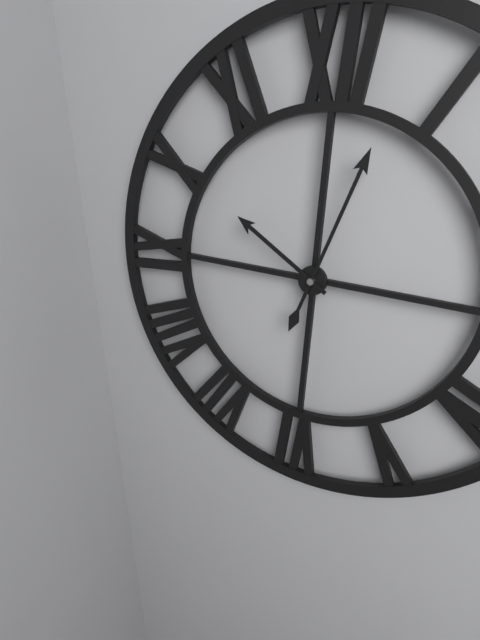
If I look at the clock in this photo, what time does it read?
10:03
